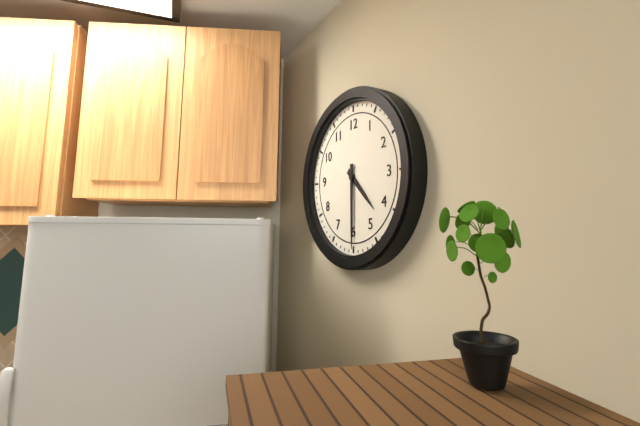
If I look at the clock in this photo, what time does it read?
4:30
